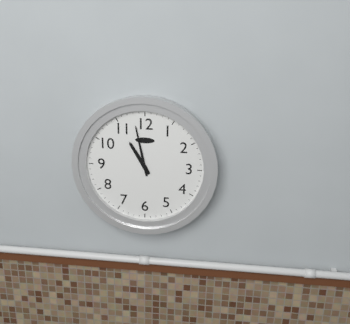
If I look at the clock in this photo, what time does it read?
10:58
